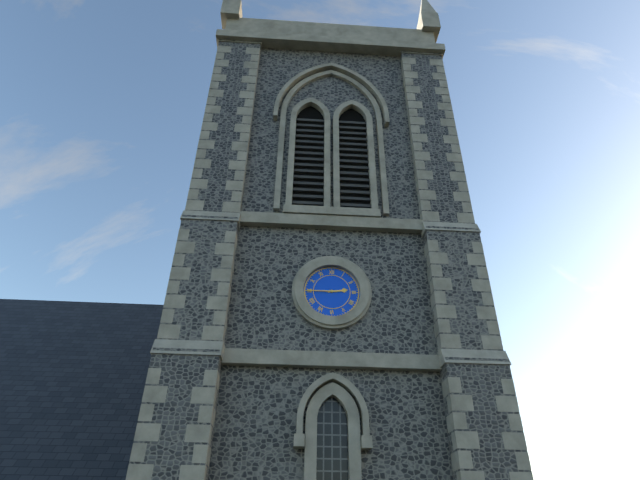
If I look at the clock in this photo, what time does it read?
2:45
